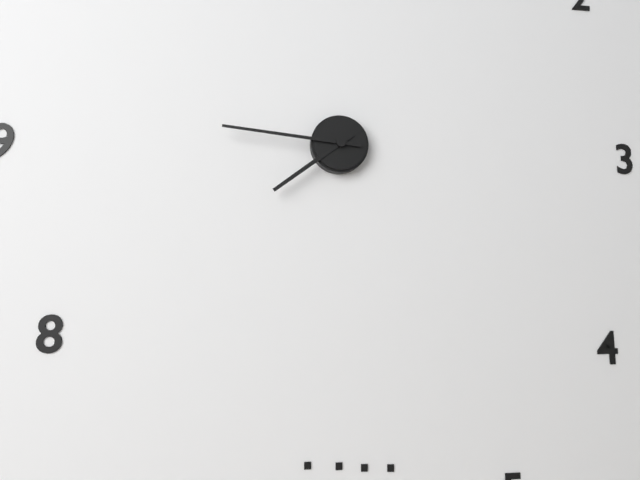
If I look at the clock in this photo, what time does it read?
7:46
